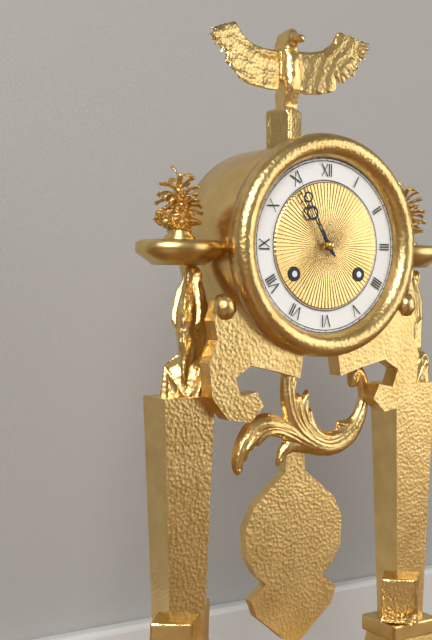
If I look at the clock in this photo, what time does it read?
10:55
